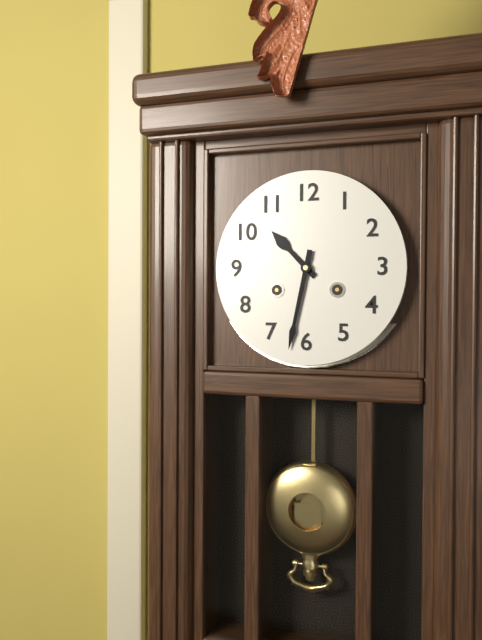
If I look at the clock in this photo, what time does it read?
10:32
